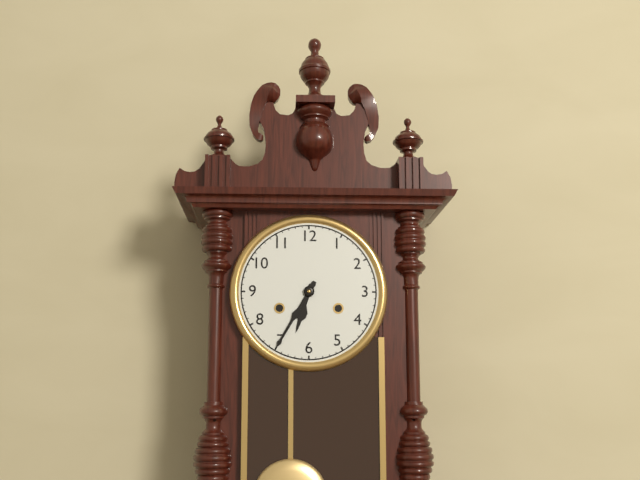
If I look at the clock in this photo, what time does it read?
6:35
